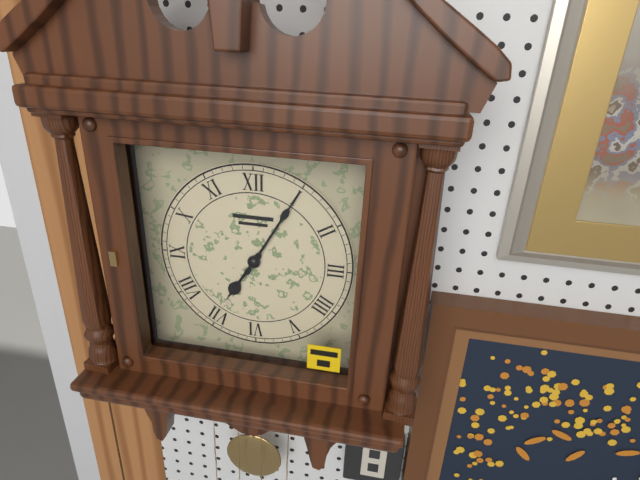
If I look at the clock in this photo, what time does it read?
7:05
